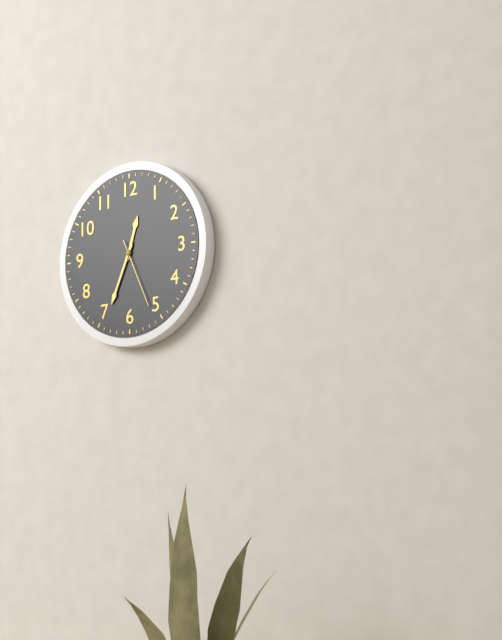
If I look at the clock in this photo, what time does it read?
12:34:26
